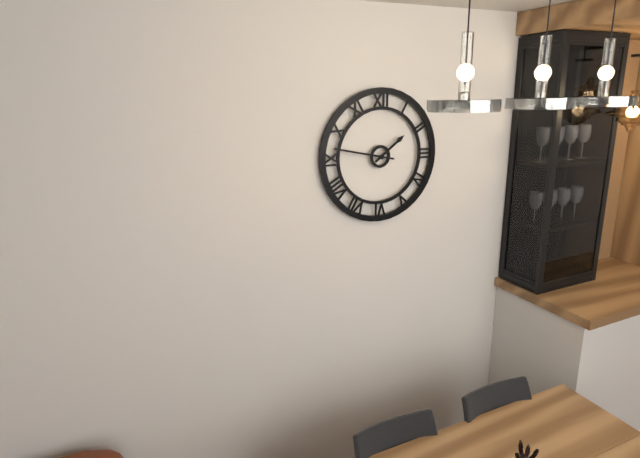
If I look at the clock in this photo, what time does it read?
1:47
